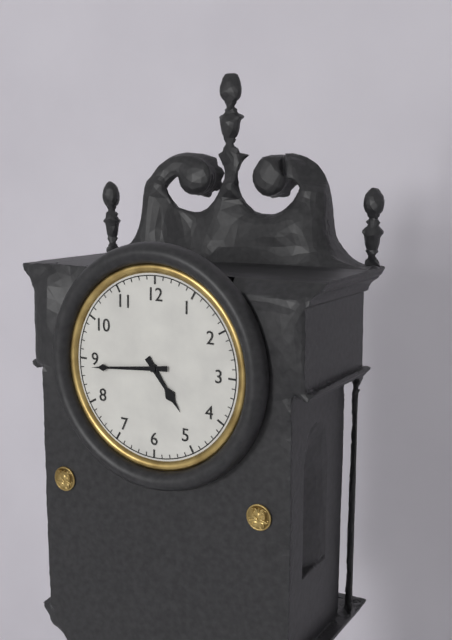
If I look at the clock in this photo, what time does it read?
4:44
